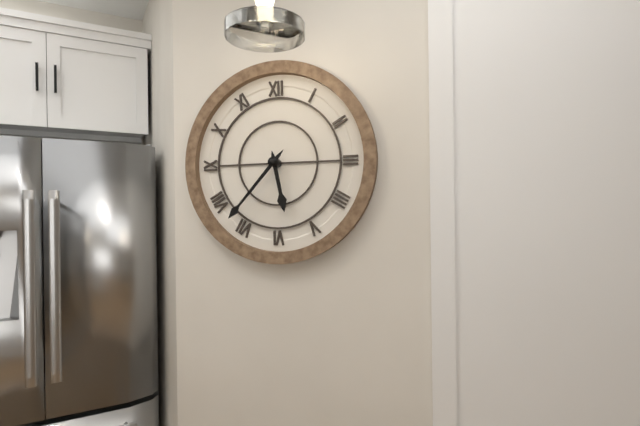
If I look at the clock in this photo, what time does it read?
5:37
